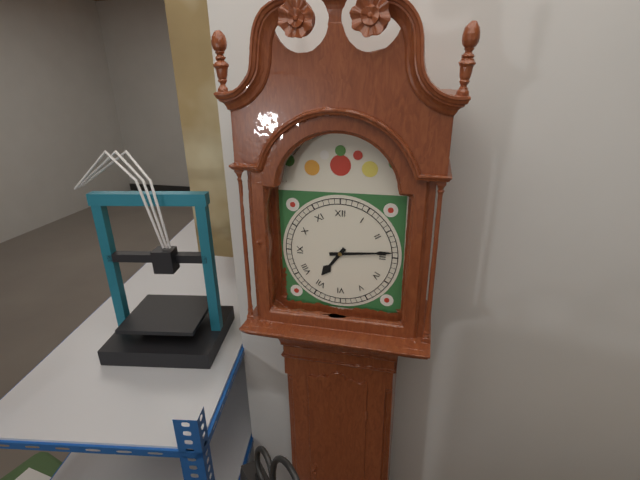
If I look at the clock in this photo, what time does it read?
7:14
